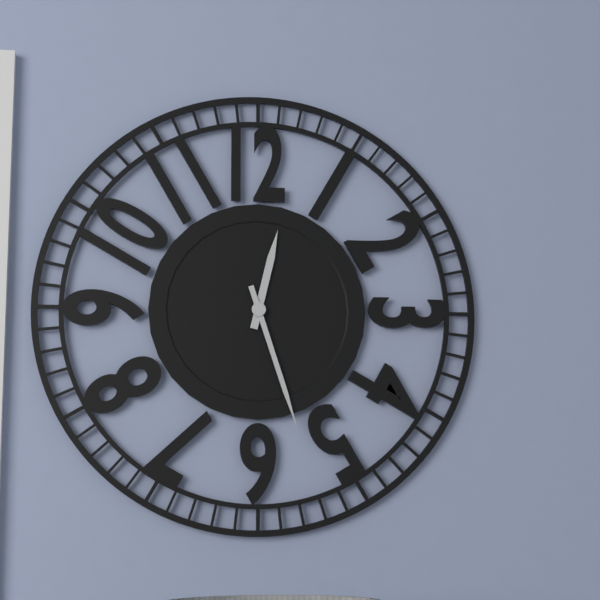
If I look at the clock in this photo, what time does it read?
12:27
